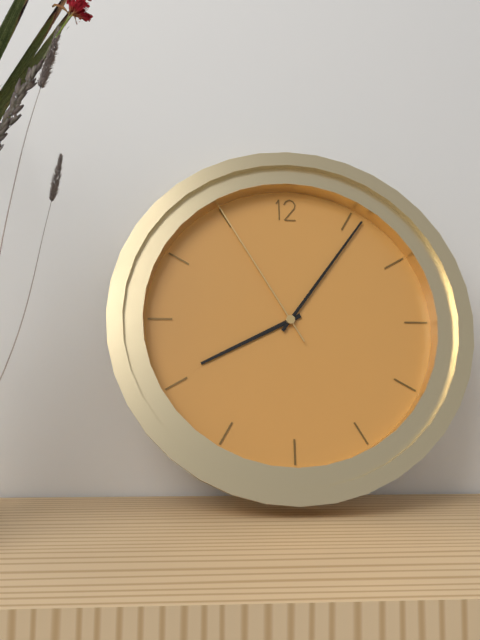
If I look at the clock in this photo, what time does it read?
8:06:55
